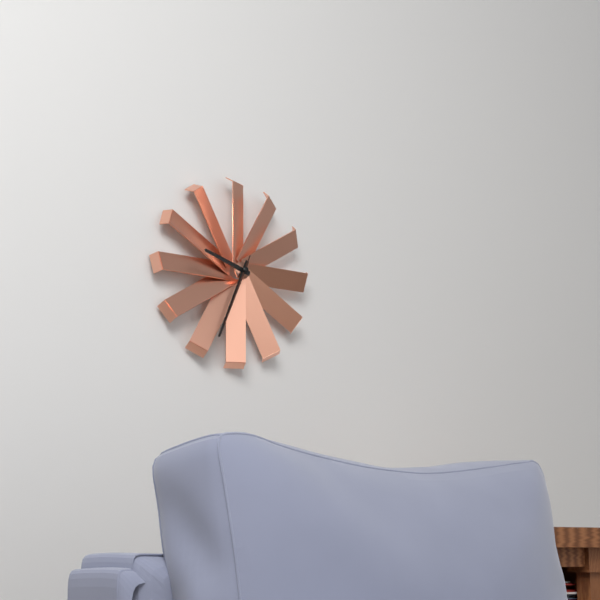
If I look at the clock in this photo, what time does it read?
9:34:34
